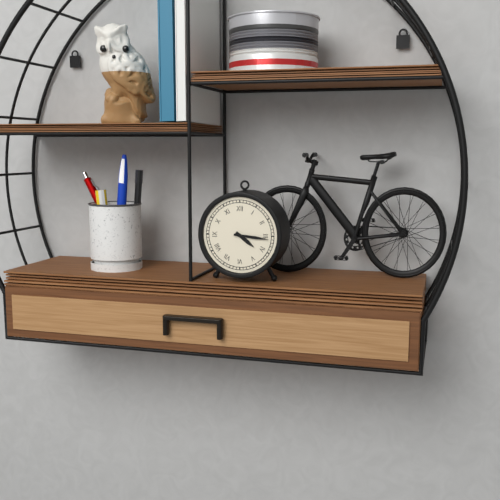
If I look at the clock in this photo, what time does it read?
4:16
